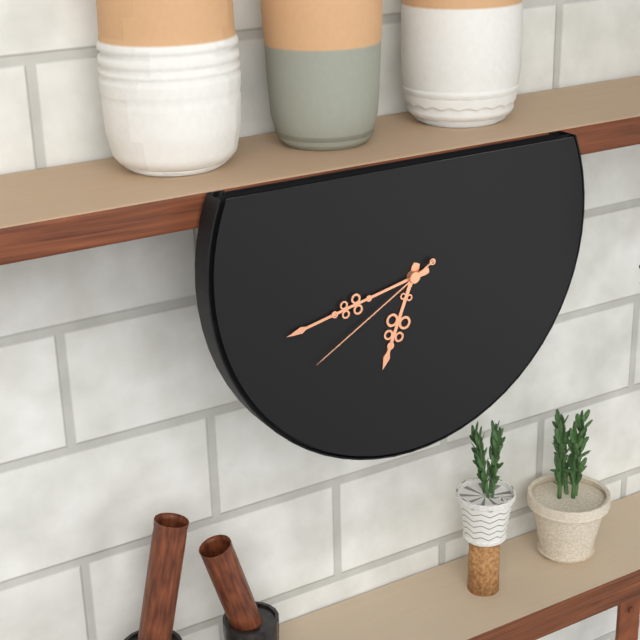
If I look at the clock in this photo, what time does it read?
6:43:40
